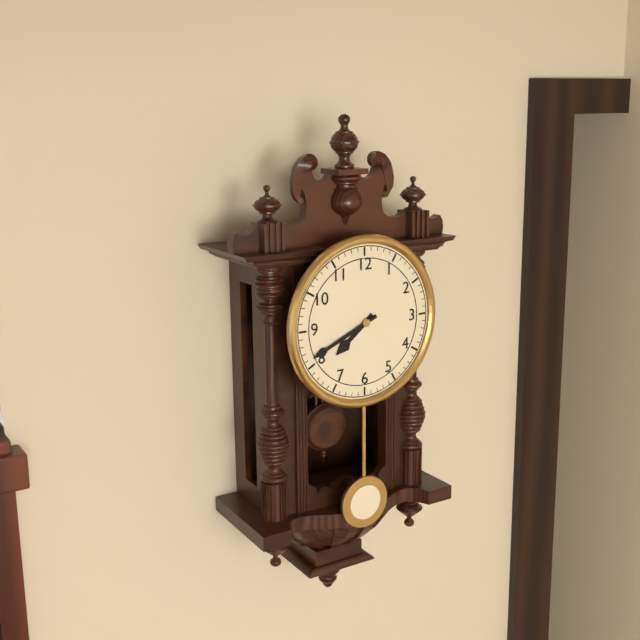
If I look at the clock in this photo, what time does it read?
7:41
